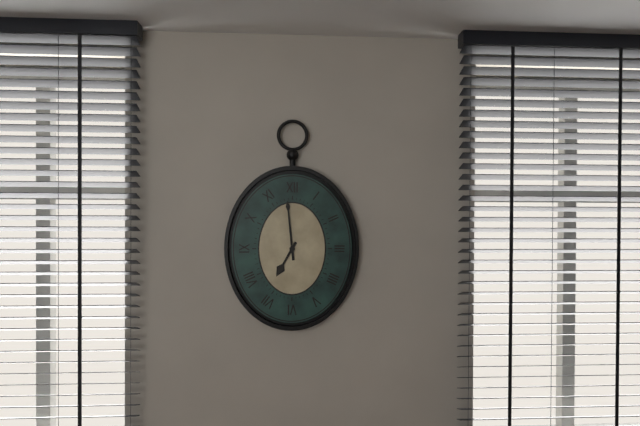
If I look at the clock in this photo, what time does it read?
6:59
